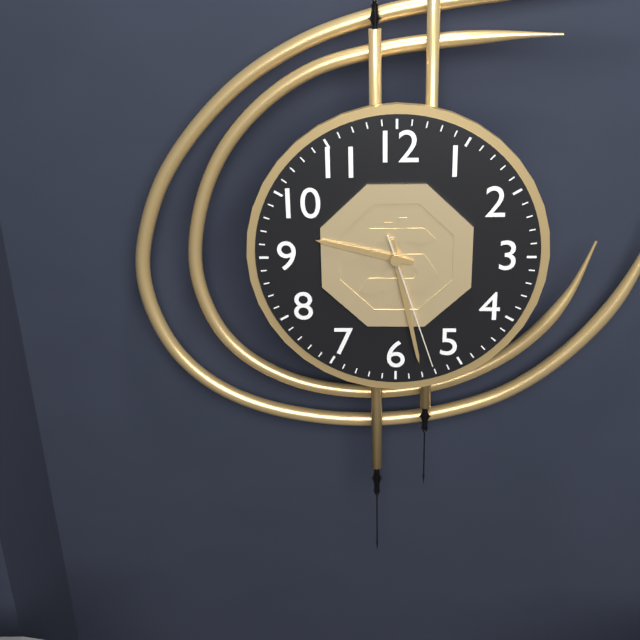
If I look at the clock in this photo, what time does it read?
9:28:27
